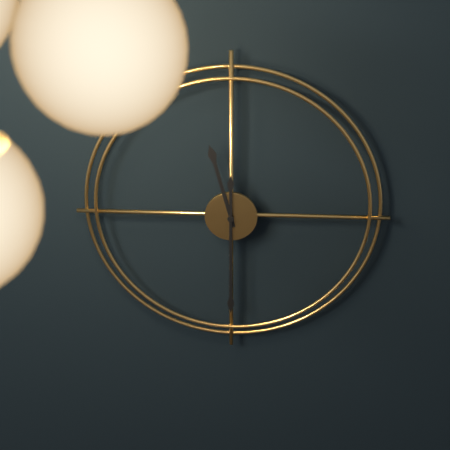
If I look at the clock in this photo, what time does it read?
11:30
